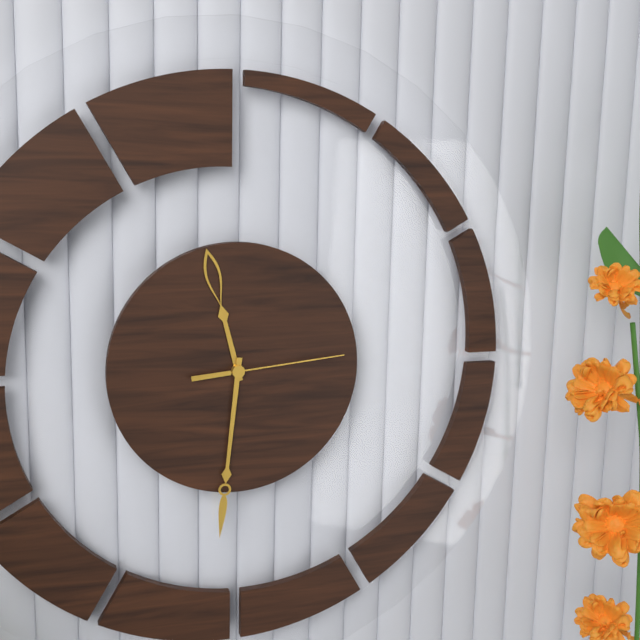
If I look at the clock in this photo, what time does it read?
11:31:14
